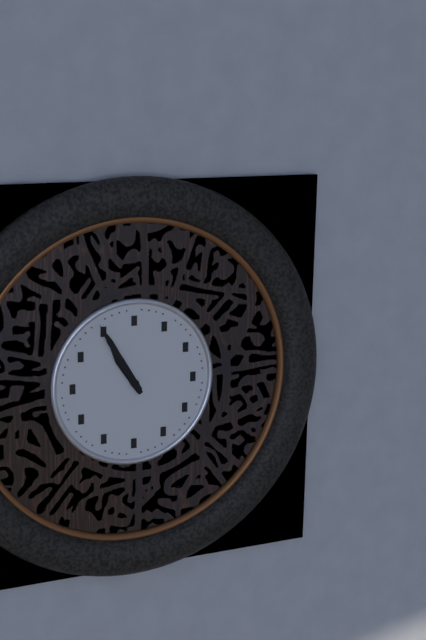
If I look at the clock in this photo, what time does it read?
10:55
